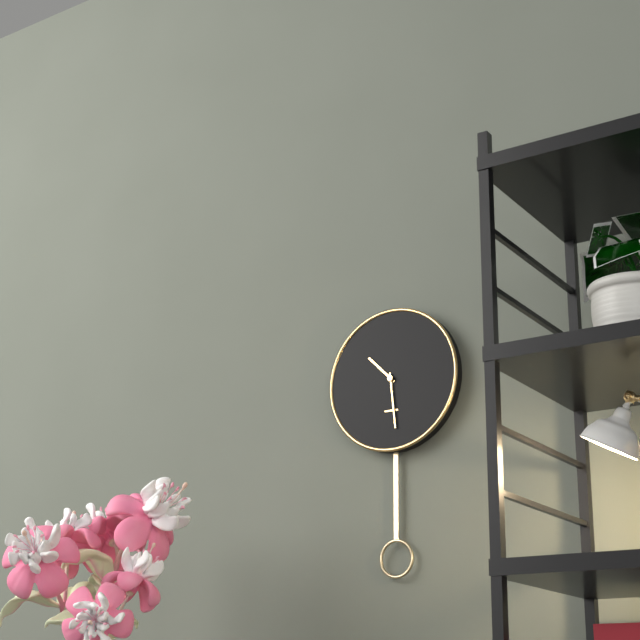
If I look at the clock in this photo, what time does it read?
10:29
